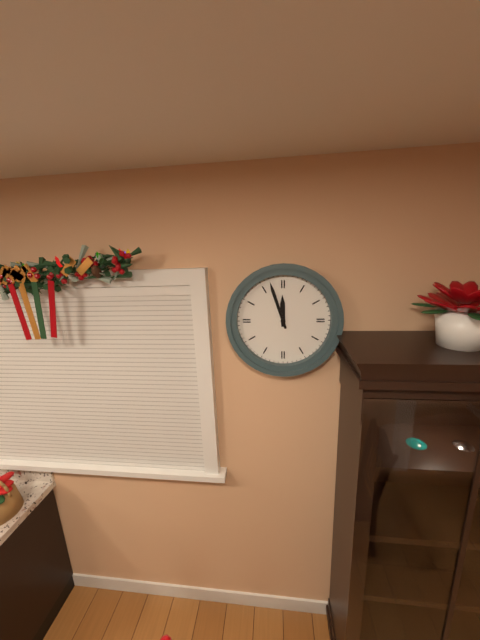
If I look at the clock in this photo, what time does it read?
11:57
